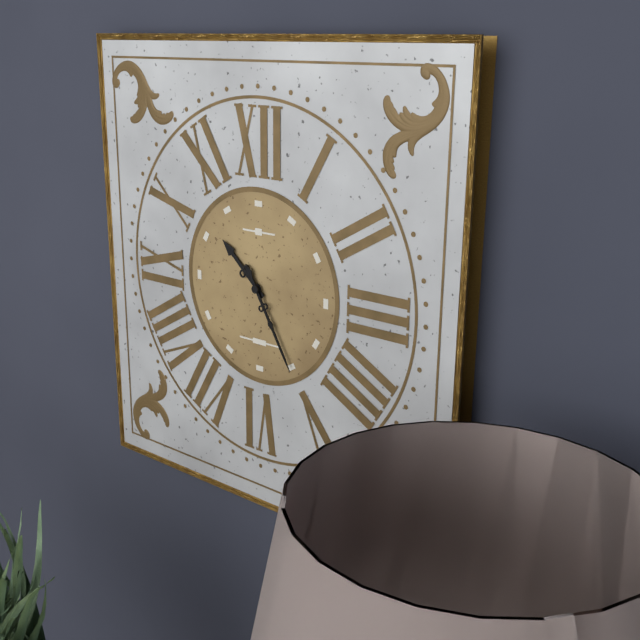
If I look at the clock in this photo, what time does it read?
10:25
